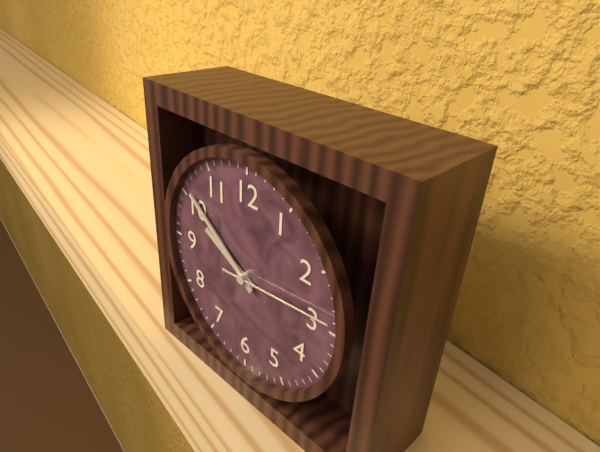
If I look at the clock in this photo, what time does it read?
9:51:14
